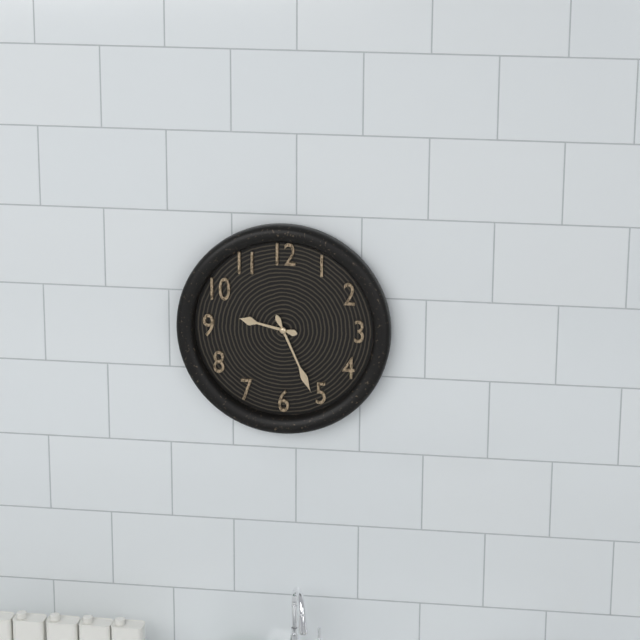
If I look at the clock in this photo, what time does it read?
9:26
